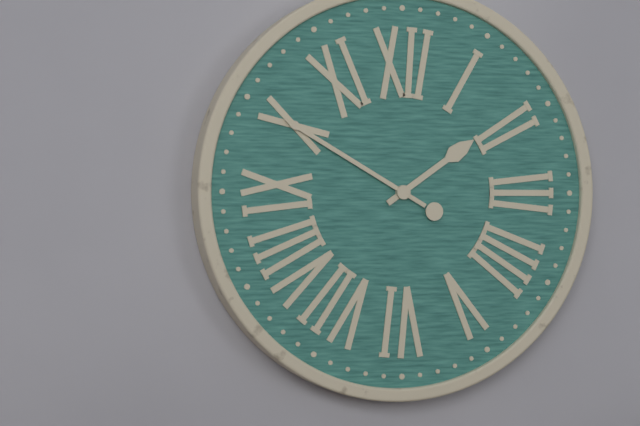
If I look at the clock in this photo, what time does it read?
1:50
